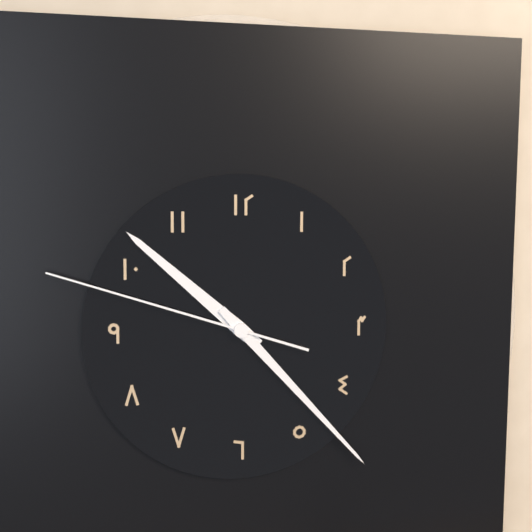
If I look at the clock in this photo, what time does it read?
10:23:48
